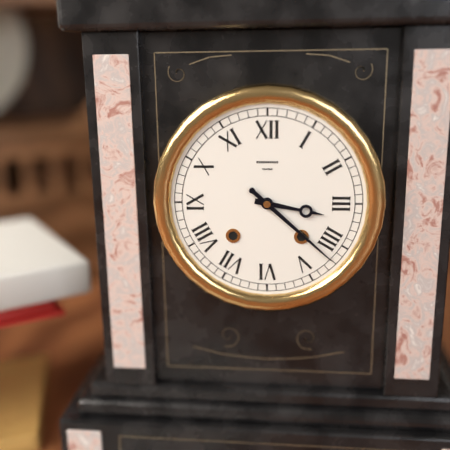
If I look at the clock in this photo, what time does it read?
3:22
